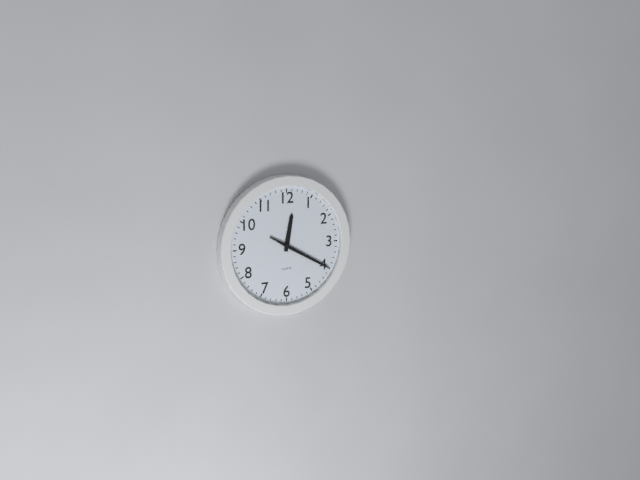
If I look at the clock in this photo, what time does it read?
12:20
